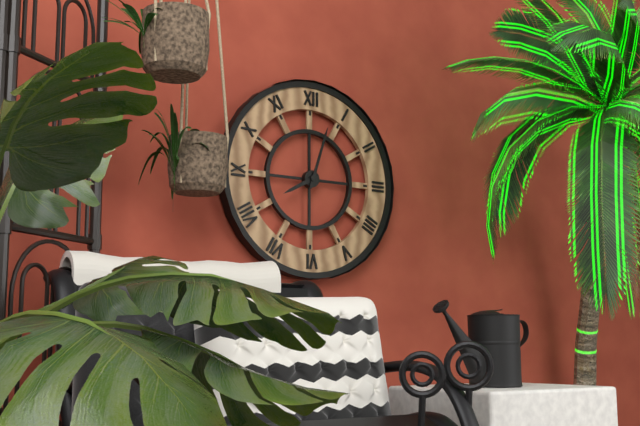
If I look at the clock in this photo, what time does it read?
8:03
